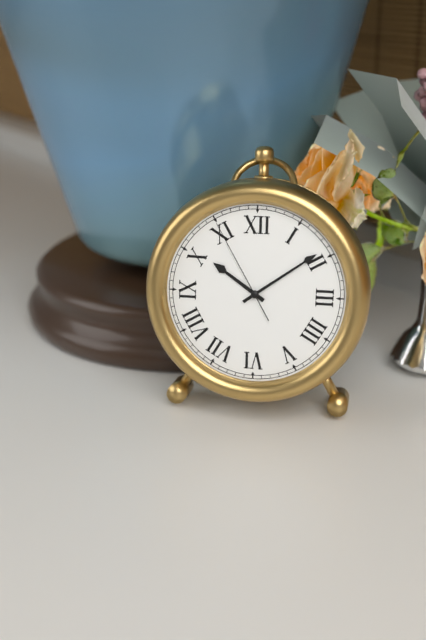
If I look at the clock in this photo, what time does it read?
10:09:55
